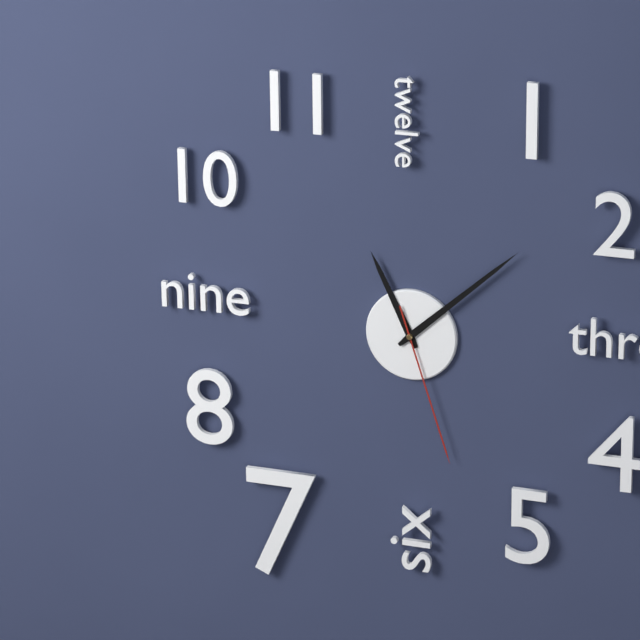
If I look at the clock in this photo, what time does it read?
11:08:27
